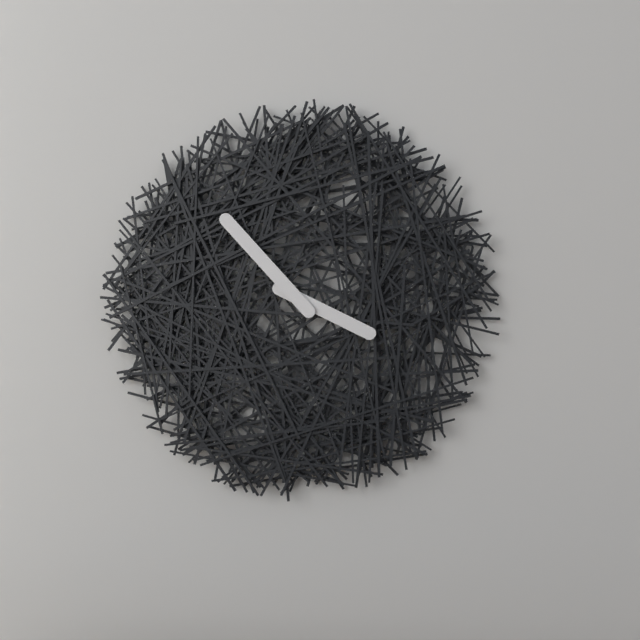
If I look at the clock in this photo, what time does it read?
3:53
